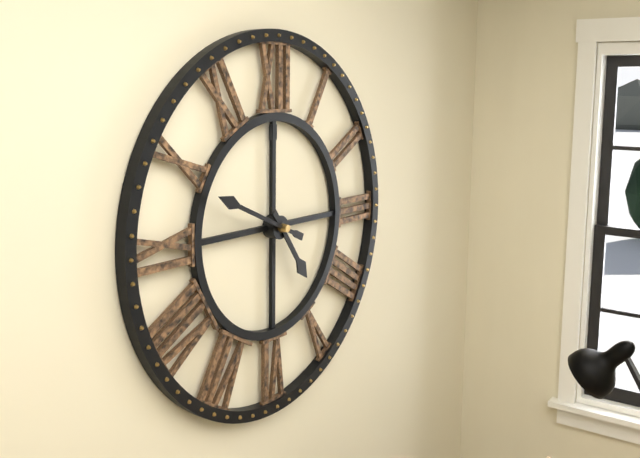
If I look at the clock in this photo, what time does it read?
4:49
